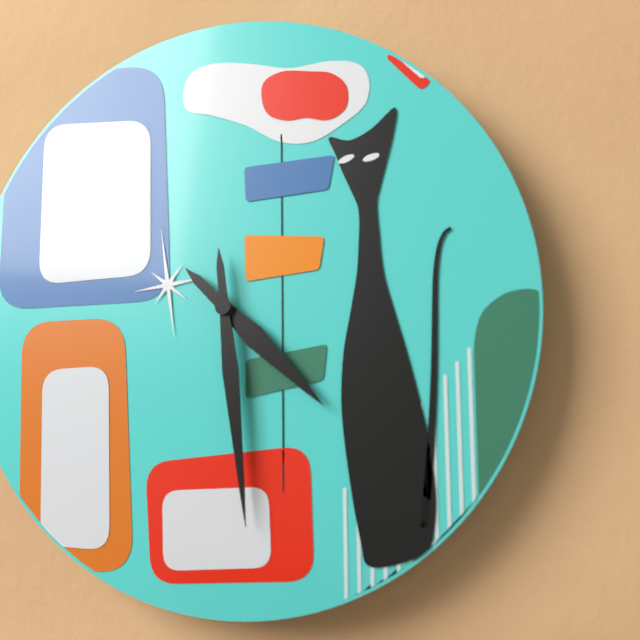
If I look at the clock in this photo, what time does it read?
4:29
